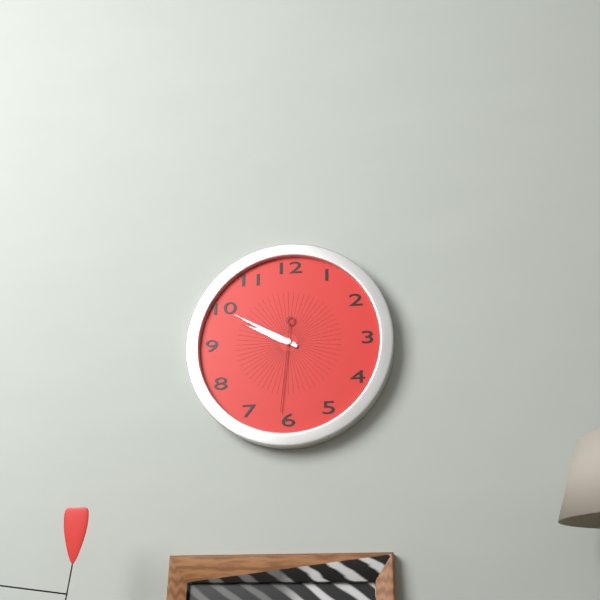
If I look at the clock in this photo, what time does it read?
9:50:31
